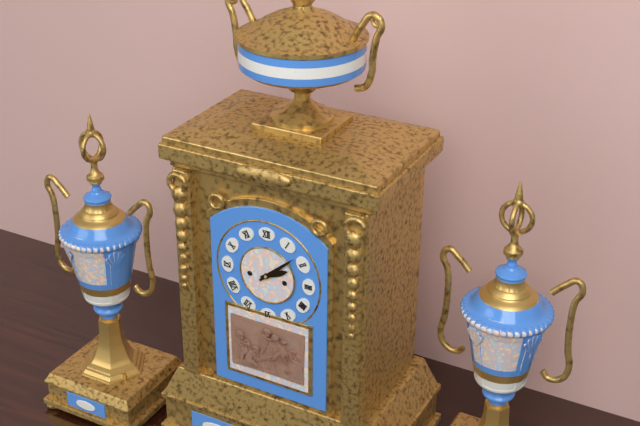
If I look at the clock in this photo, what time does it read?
2:08
